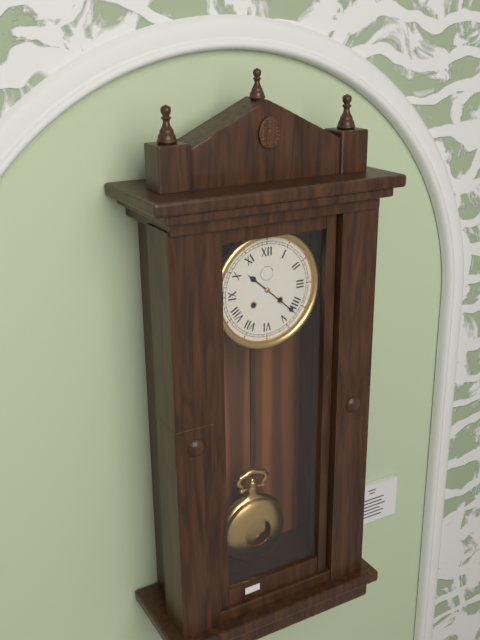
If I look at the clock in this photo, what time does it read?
10:22
